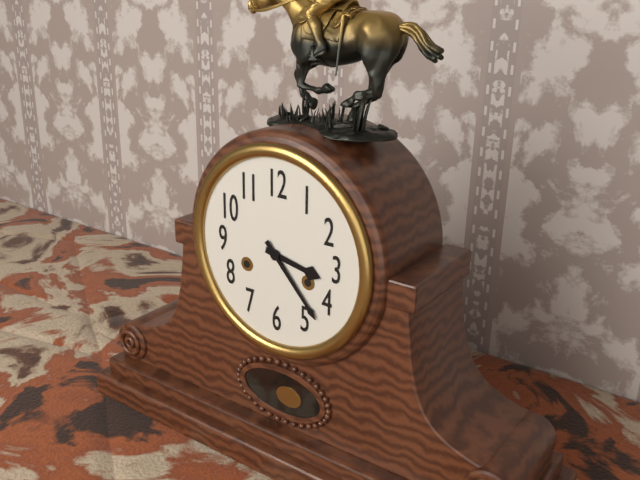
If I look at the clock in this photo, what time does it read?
3:23
